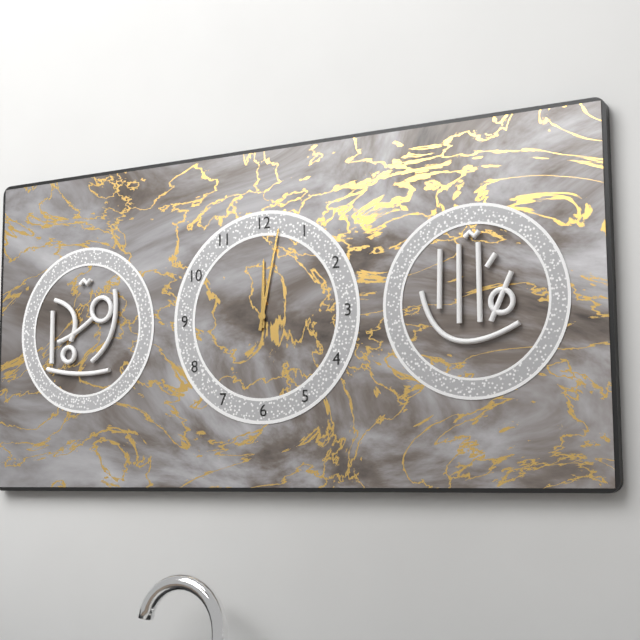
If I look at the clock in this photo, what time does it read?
12:02
